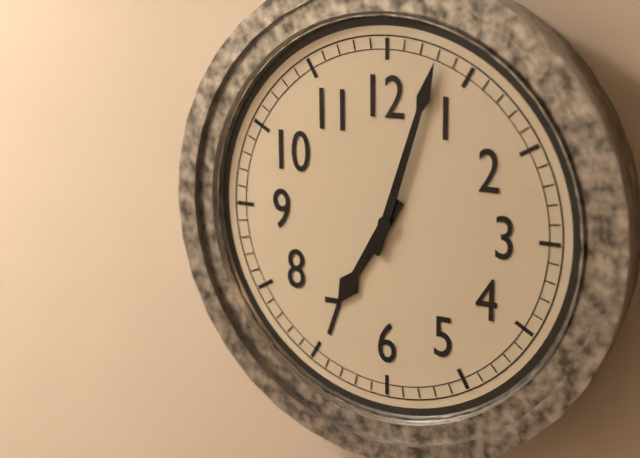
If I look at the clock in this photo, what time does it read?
7:03
